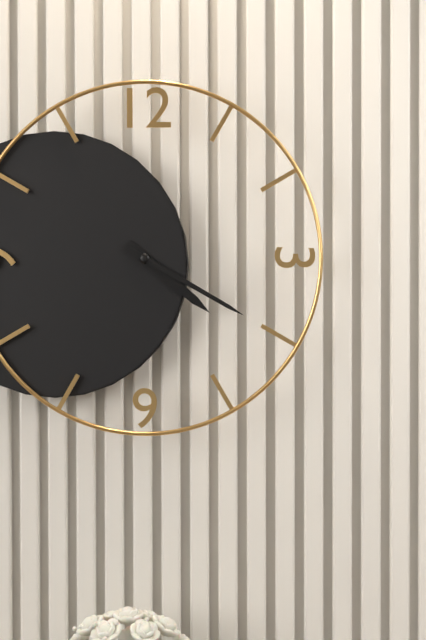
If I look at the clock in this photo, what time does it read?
4:20
